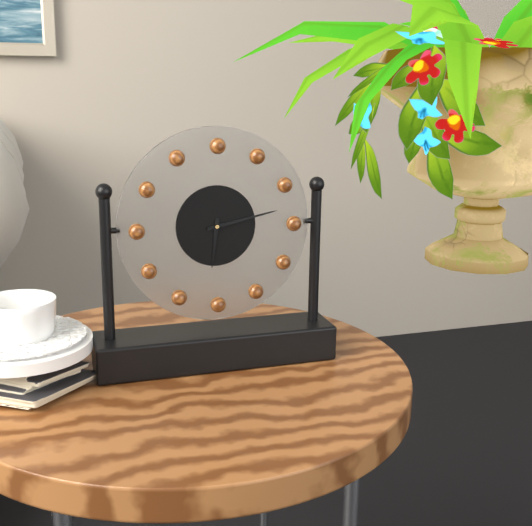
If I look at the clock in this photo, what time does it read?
6:13
